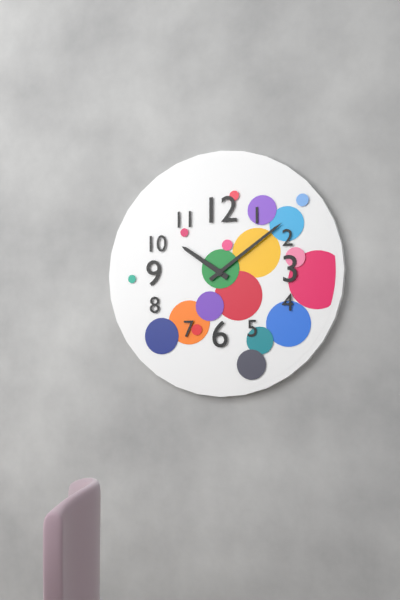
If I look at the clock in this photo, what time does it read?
10:09
